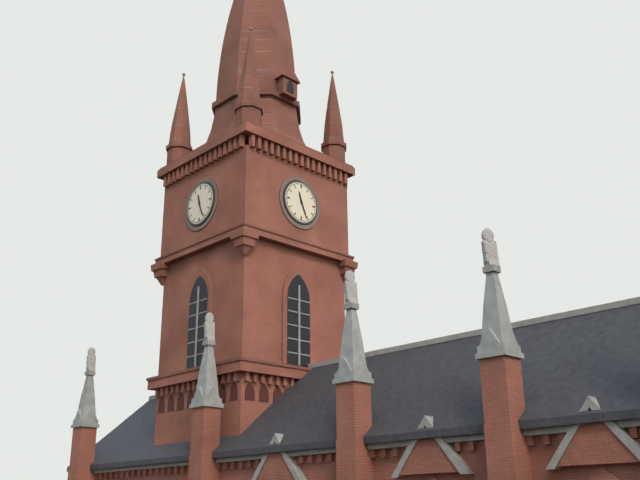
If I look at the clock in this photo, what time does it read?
11:26
